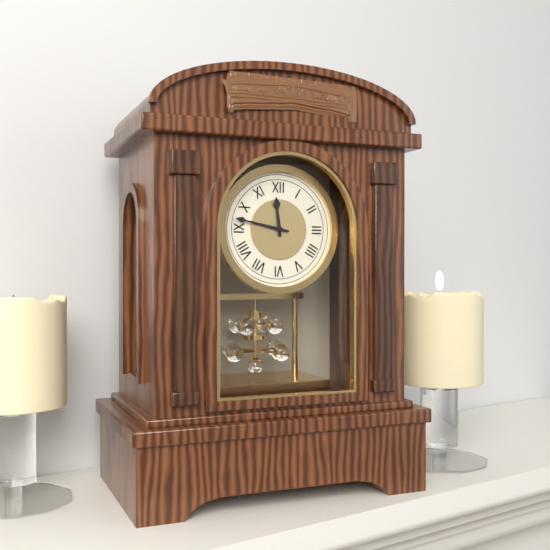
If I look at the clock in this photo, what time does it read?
11:47
